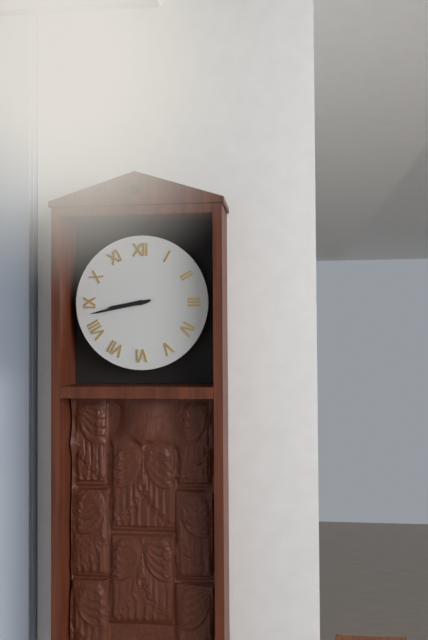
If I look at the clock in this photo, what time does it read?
8:43
